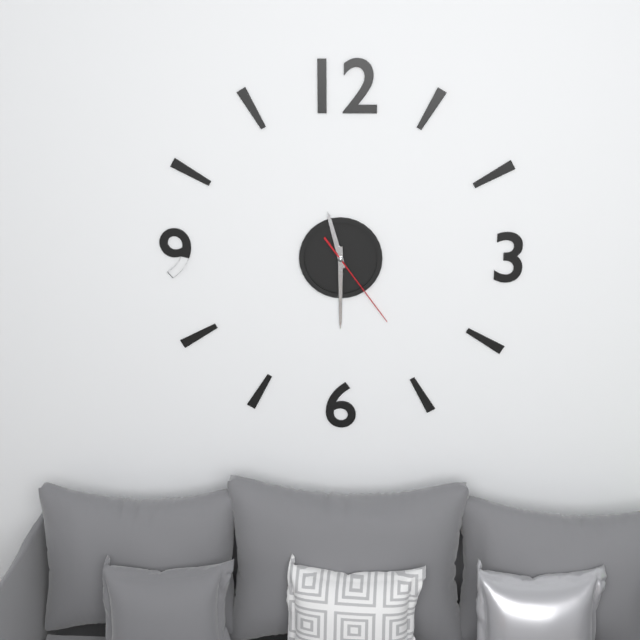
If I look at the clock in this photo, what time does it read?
11:30:24
